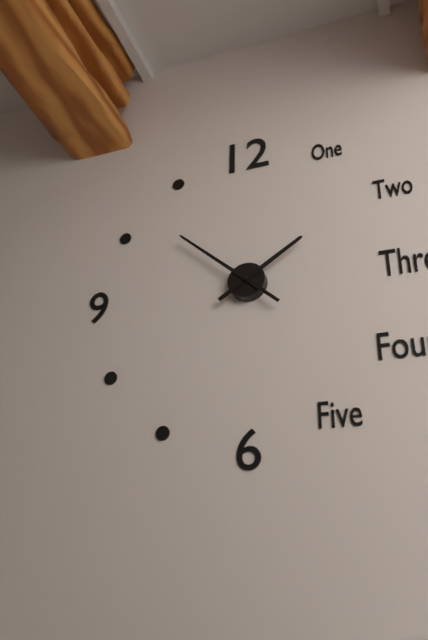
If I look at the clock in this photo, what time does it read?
1:52
